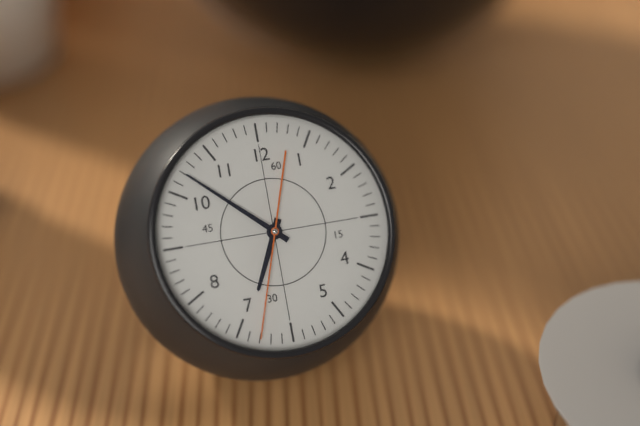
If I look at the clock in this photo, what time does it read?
6:52:33
